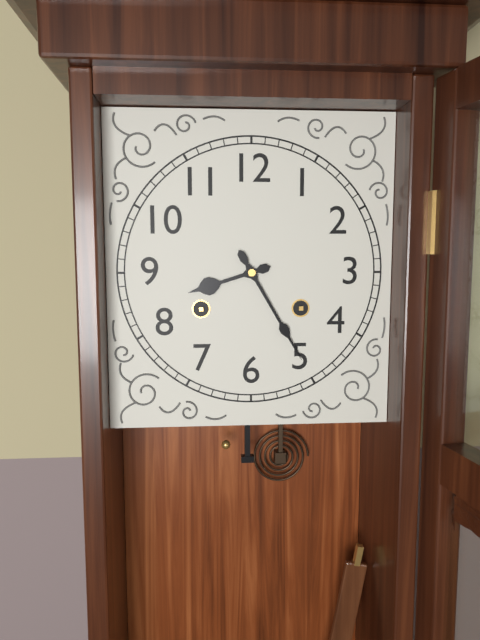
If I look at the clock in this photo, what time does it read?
8:25
